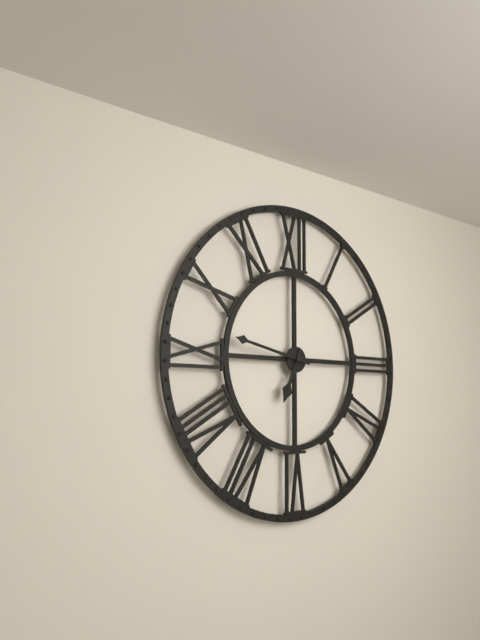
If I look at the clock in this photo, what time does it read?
6:47
